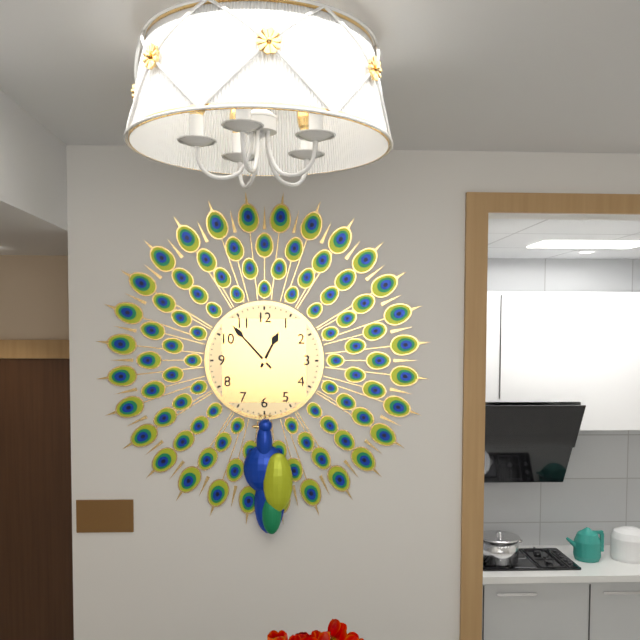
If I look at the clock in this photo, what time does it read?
12:53
